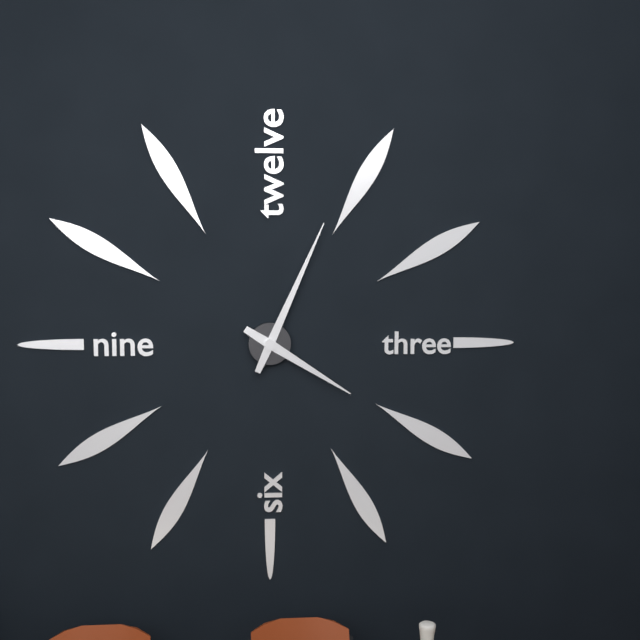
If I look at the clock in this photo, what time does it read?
4:04
